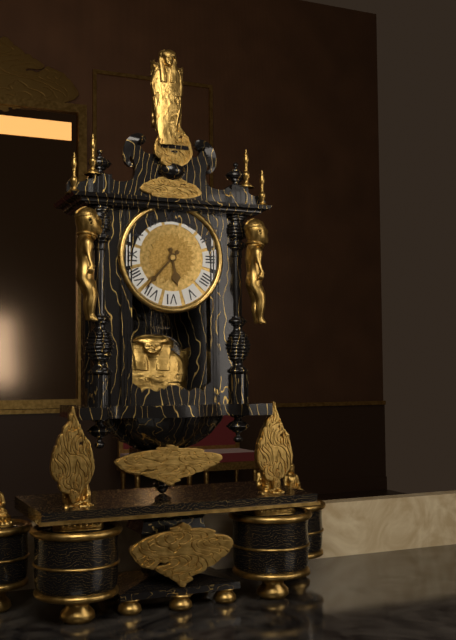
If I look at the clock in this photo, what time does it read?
5:37
